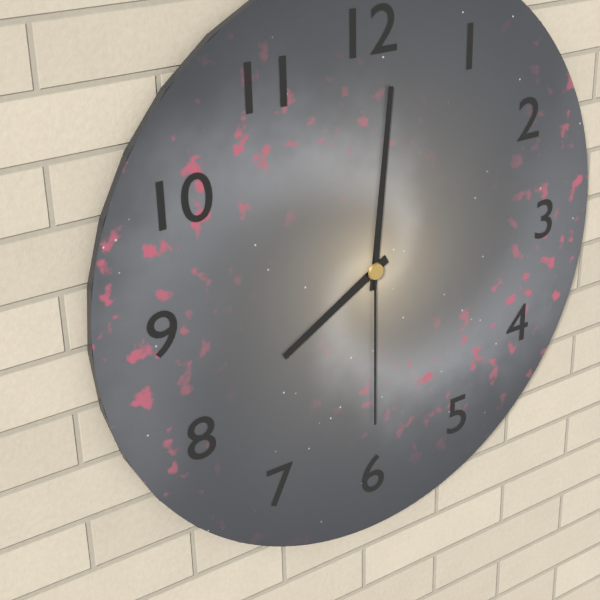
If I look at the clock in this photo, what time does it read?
8:01:30
